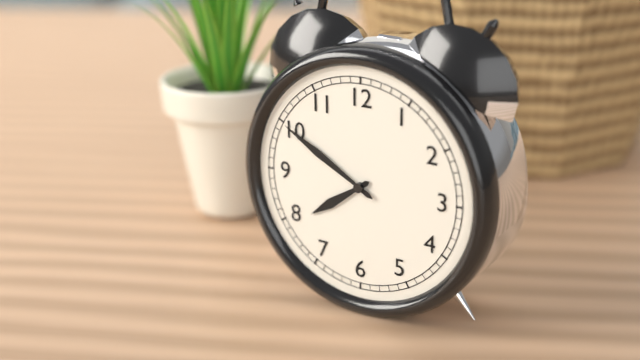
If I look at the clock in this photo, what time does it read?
7:50
